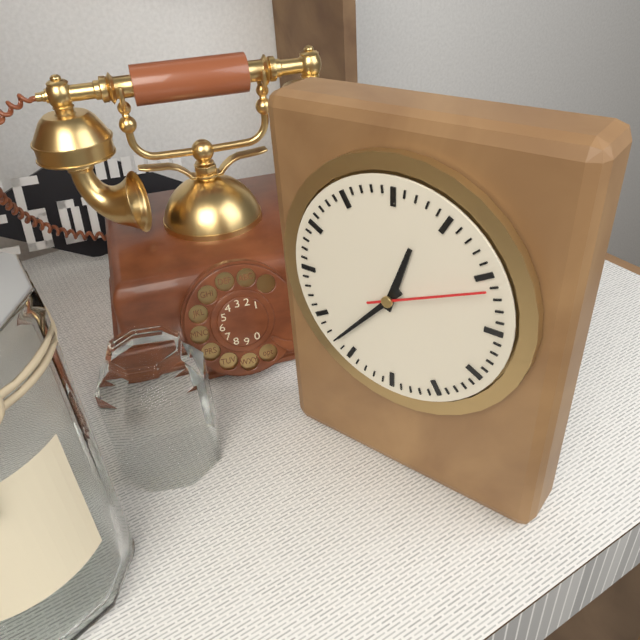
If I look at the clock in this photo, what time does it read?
12:37:11
